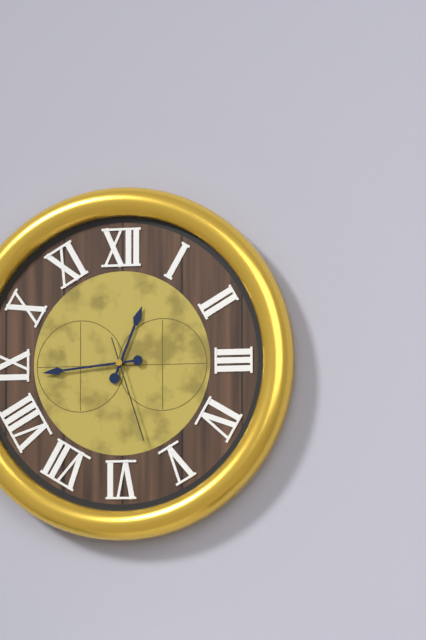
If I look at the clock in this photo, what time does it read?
12:44:27
